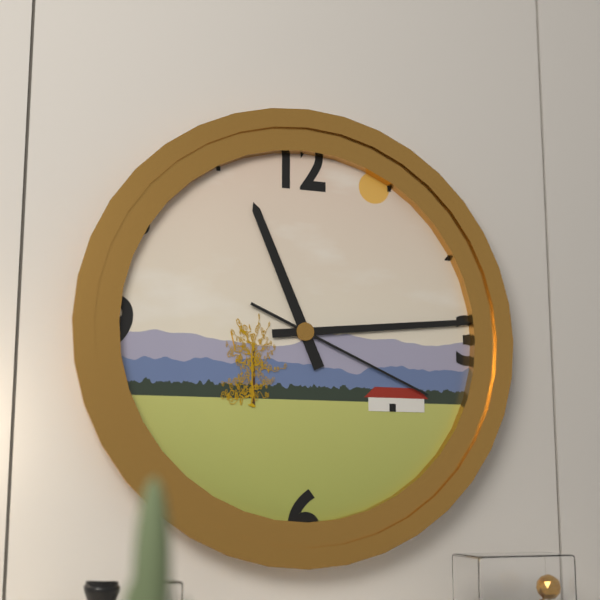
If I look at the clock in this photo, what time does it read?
11:14:19
